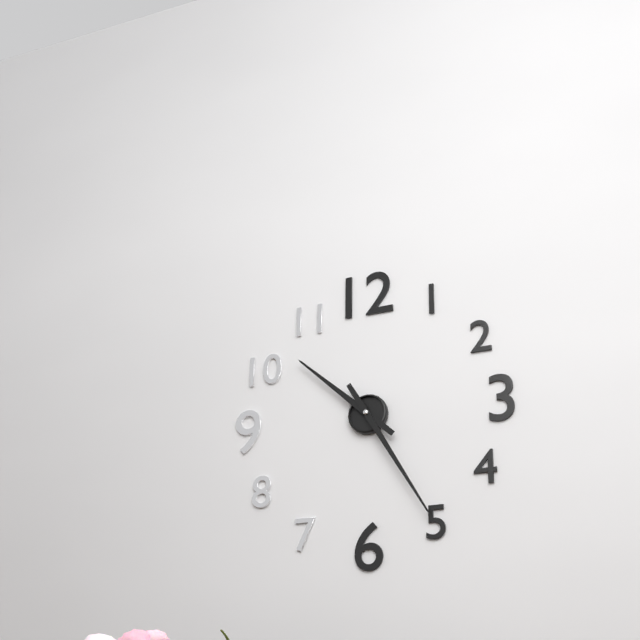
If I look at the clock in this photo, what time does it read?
10:25
